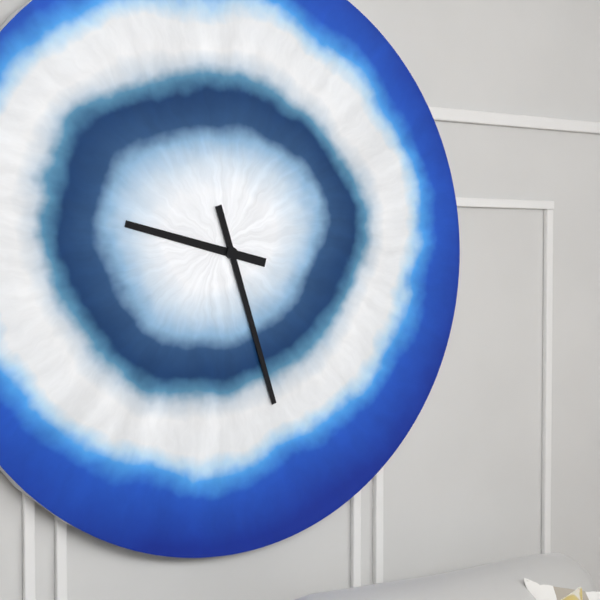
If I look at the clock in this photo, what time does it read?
9:27
